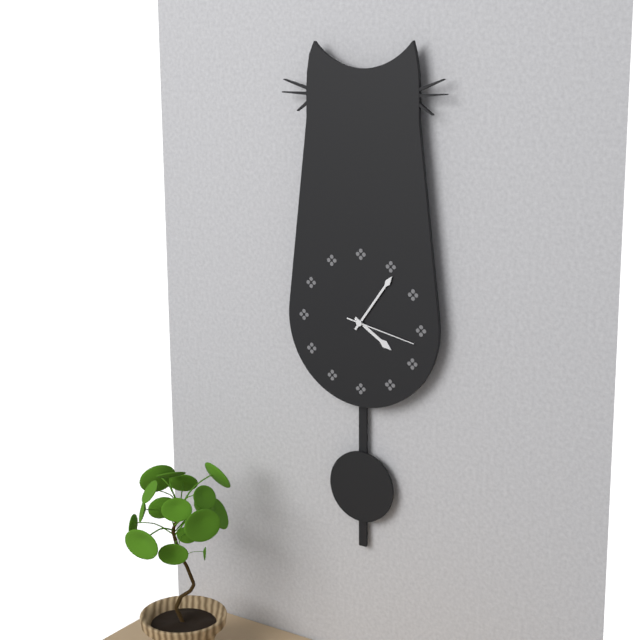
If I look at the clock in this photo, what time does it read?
4:06:17
